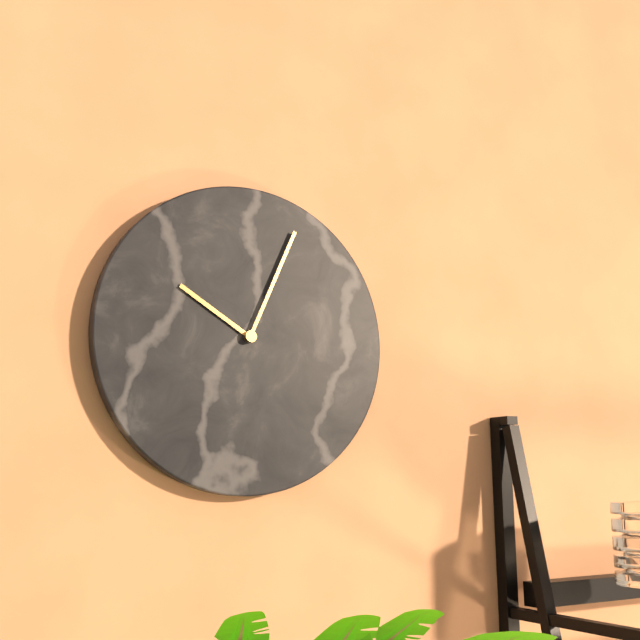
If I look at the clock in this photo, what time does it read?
10:04
